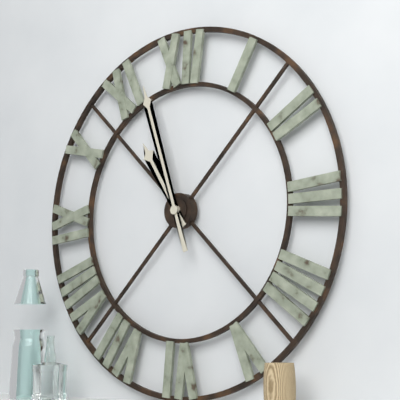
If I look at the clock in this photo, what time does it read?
10:57
